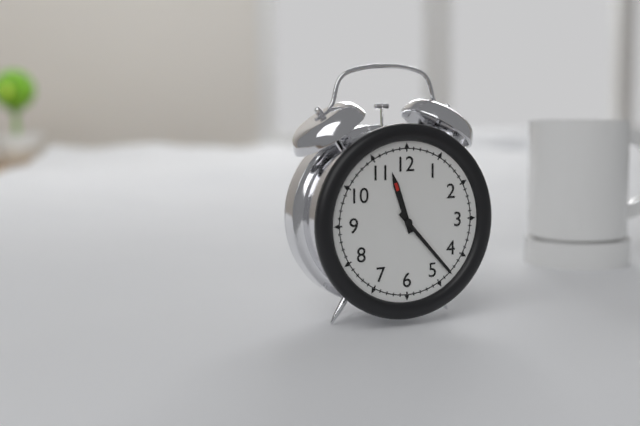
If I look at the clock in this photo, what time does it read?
11:23
